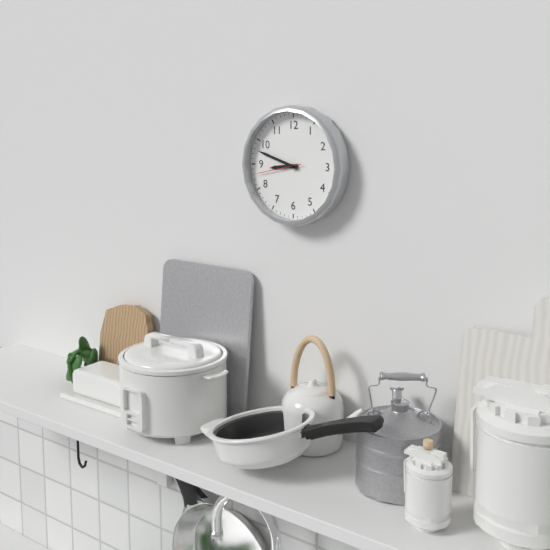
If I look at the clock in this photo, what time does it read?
8:48
